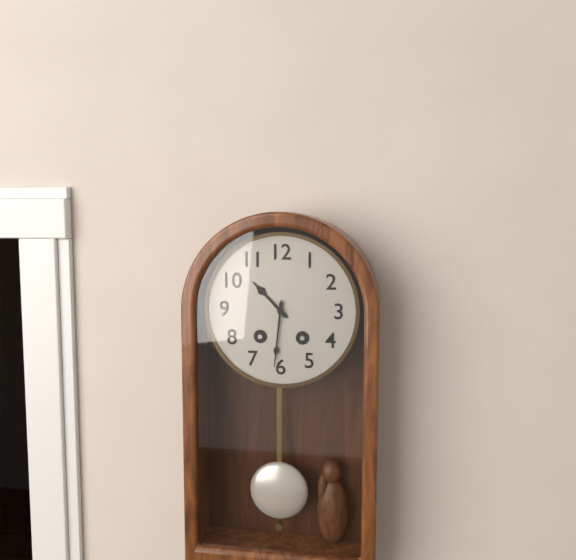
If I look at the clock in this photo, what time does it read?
10:31
